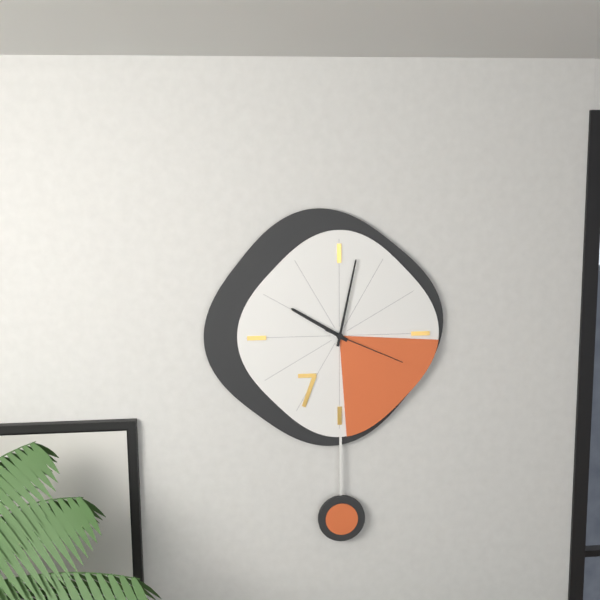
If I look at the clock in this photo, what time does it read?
10:02:19
